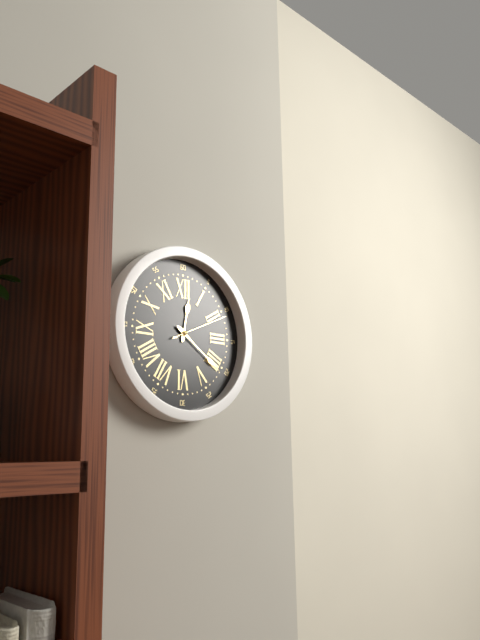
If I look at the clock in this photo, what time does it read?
12:21:11
